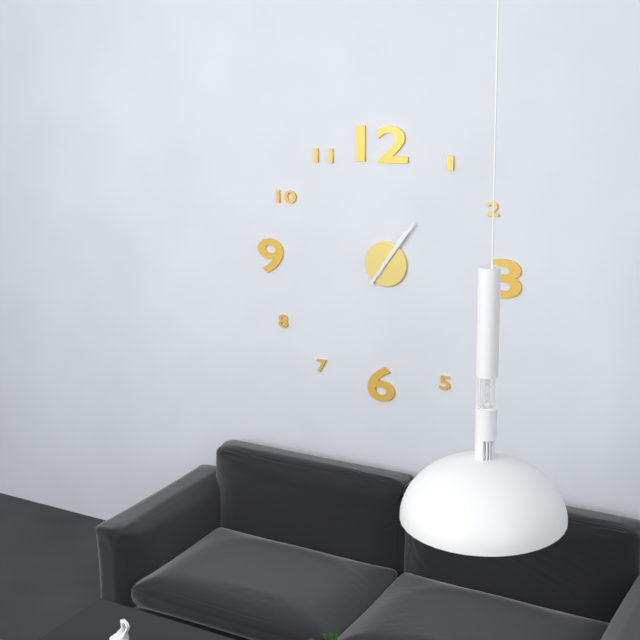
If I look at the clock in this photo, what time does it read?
1:06
